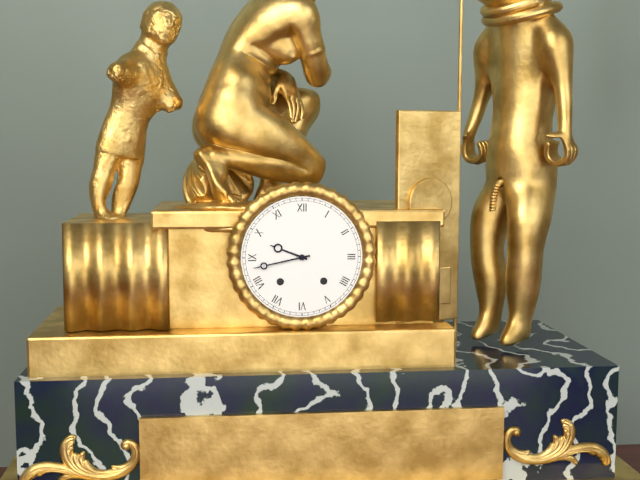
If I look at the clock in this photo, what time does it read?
9:43
